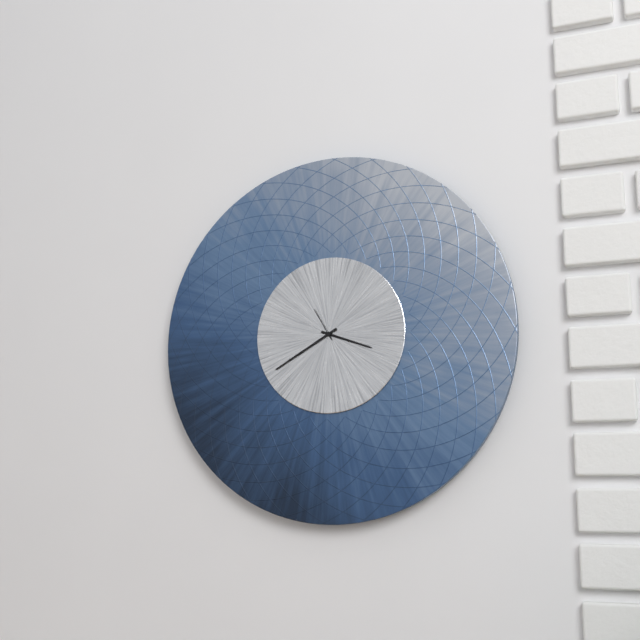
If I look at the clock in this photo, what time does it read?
3:40
